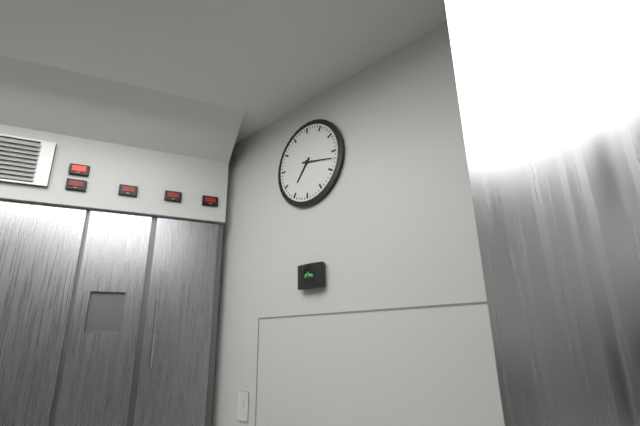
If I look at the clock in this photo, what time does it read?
7:17
